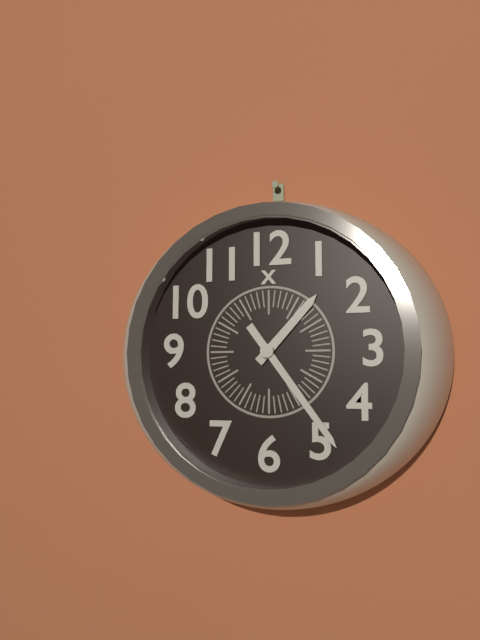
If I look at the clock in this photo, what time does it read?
1:24
